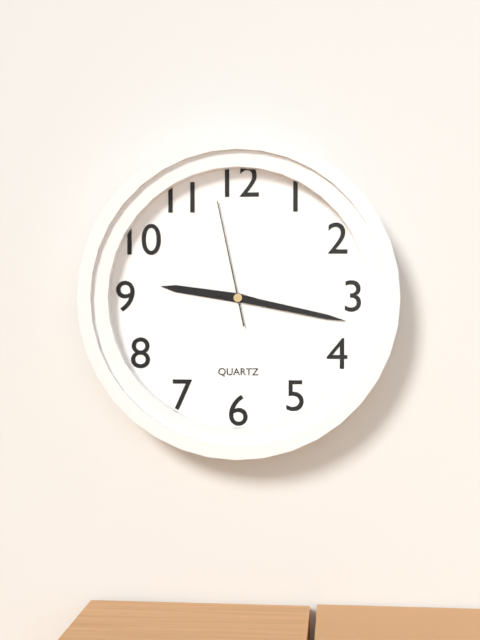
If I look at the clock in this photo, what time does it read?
9:17:58
